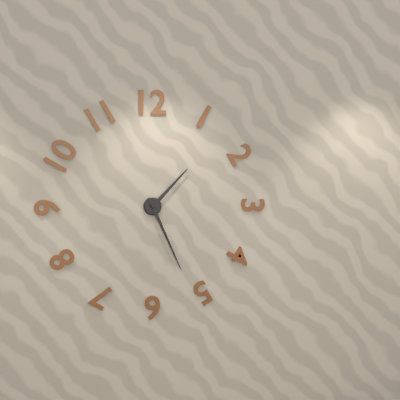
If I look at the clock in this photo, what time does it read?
1:26
